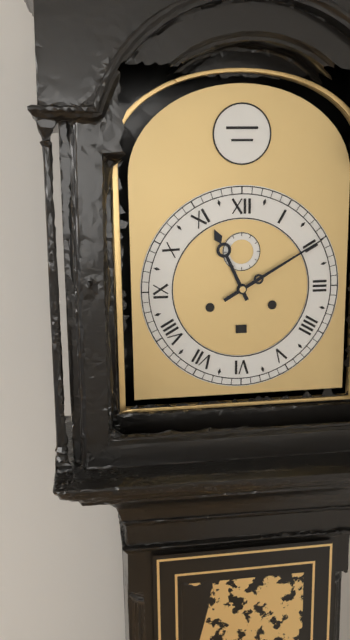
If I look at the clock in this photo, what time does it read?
11:10
